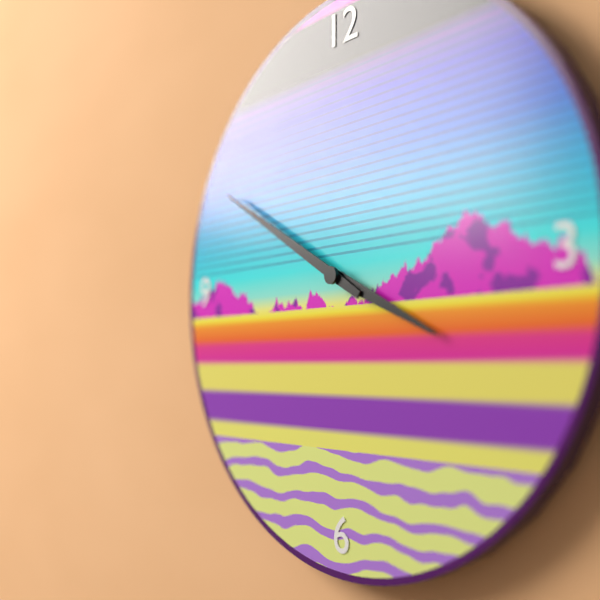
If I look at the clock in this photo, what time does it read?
3:50
